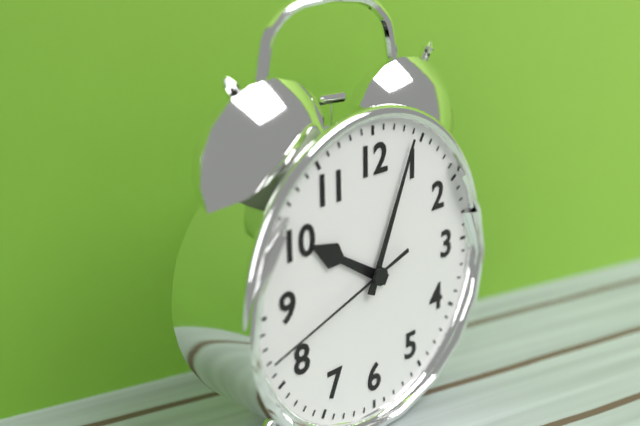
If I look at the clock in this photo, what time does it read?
10:04:42
